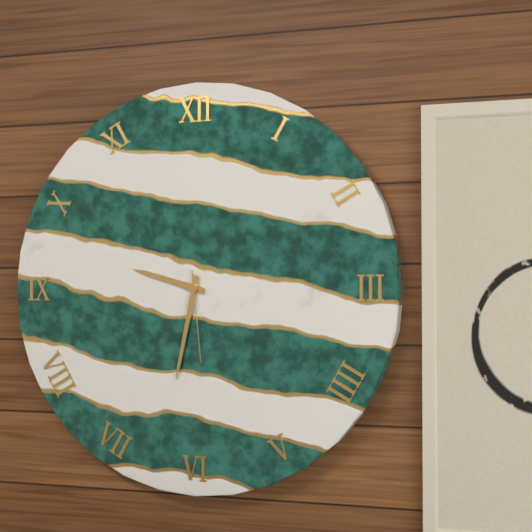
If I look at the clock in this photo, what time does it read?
9:32:29
